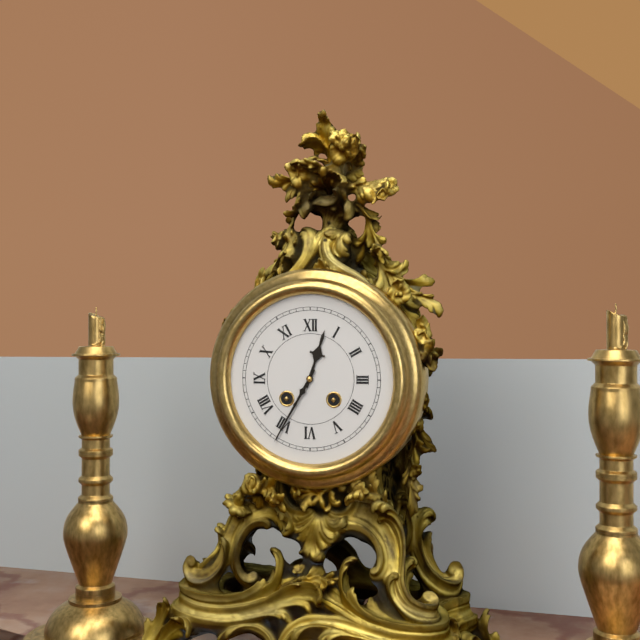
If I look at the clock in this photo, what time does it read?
12:35
